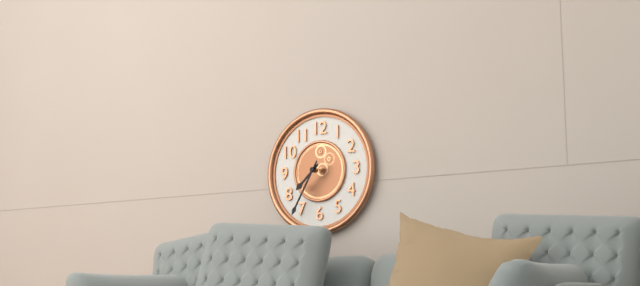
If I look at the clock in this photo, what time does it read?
7:35
